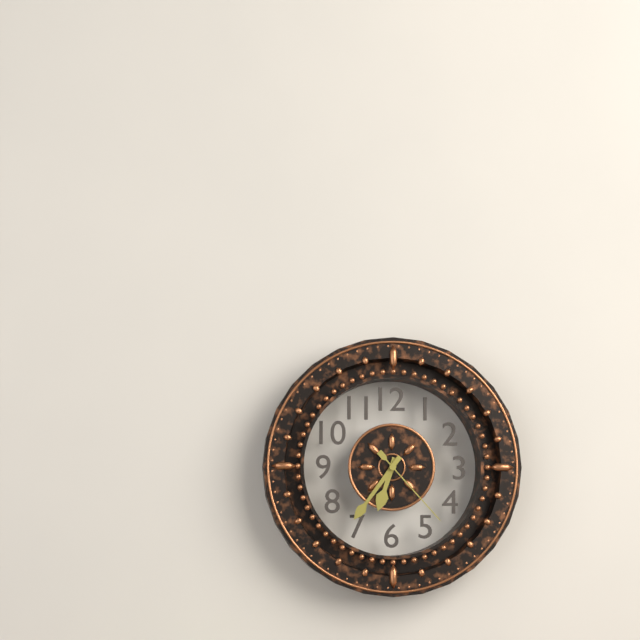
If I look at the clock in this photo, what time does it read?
6:36:23
